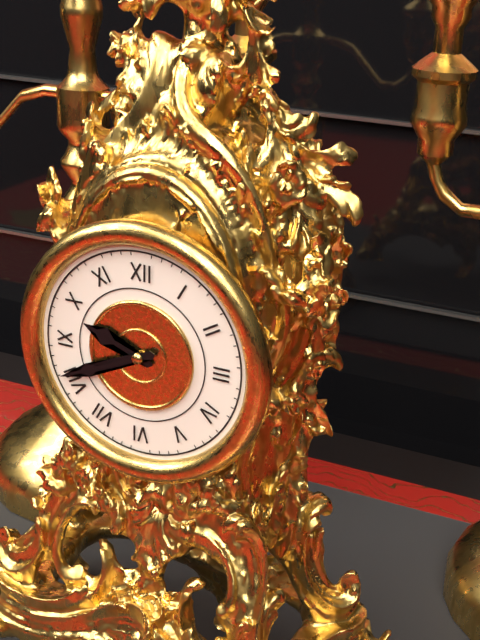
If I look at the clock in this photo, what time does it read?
9:41
